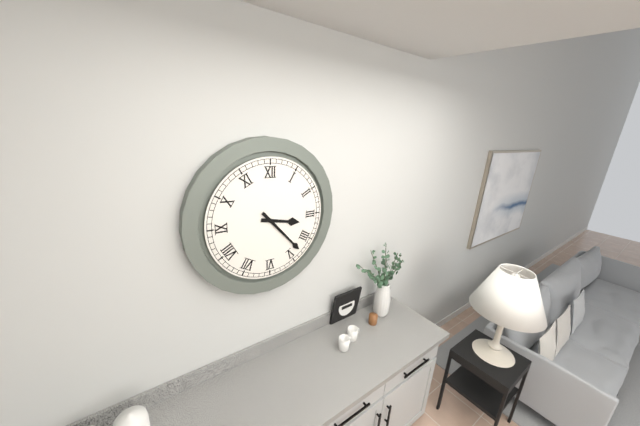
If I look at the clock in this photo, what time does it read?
3:23
